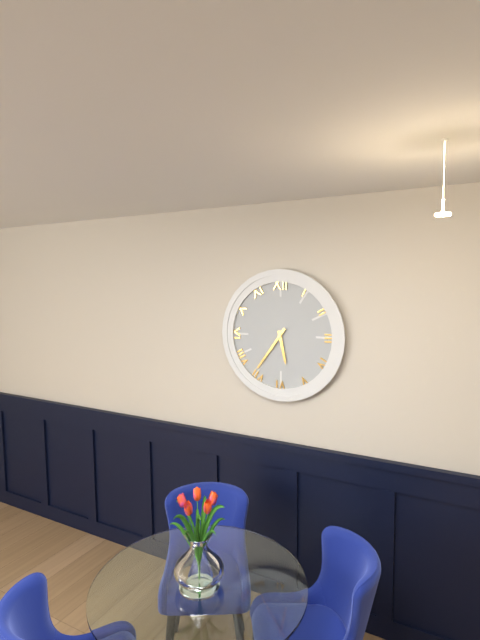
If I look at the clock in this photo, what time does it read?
5:36
